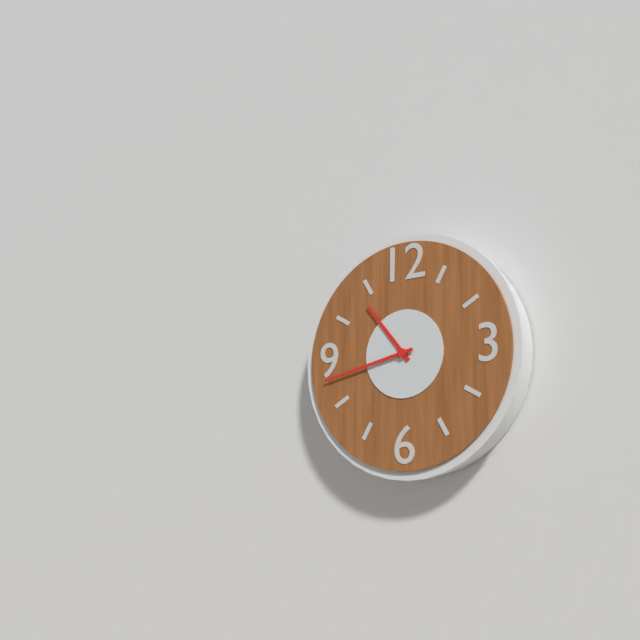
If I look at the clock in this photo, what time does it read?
10:43
